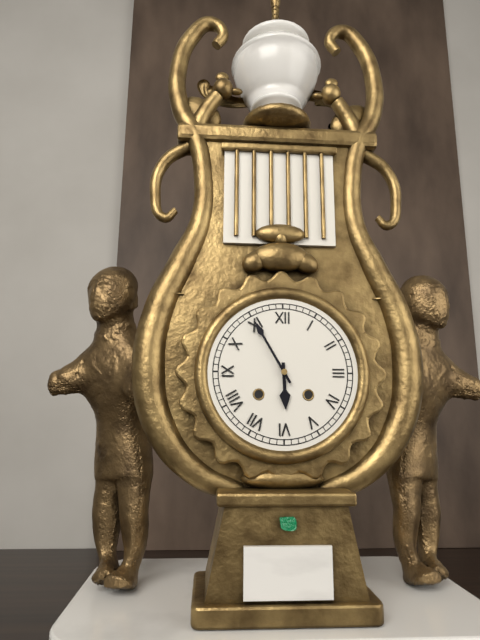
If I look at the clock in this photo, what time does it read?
5:55
